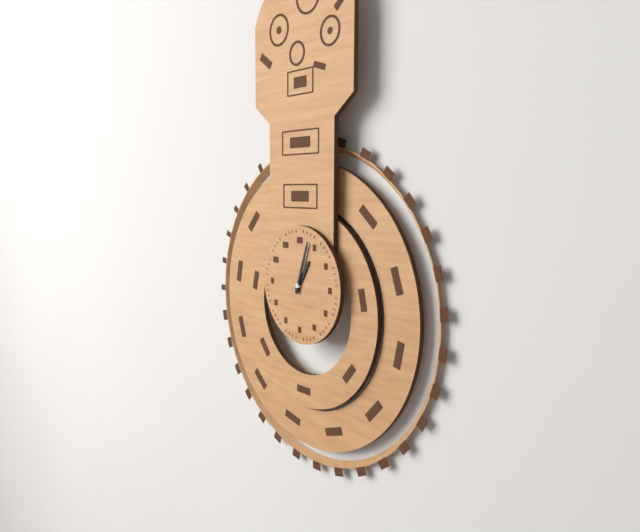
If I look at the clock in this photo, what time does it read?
1:03
